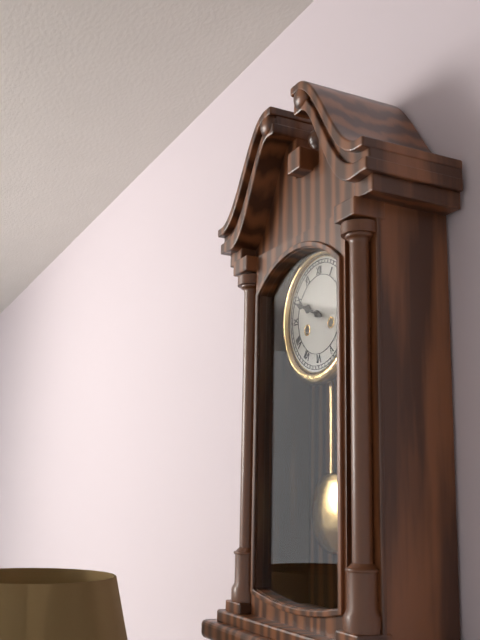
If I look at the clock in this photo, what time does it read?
9:49
